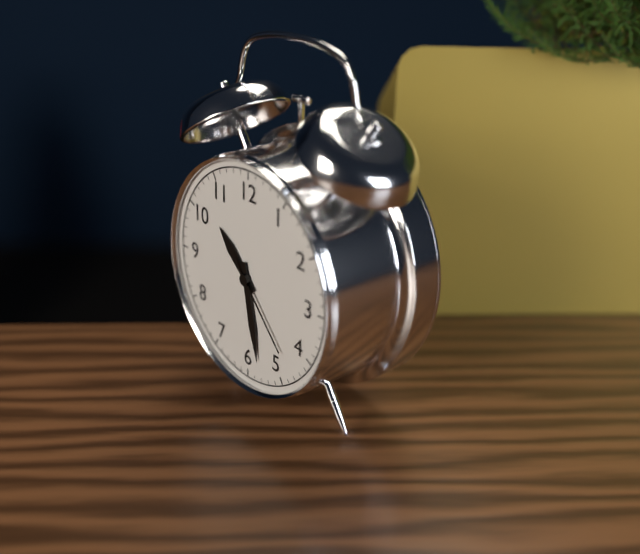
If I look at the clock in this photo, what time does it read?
10:28:23
